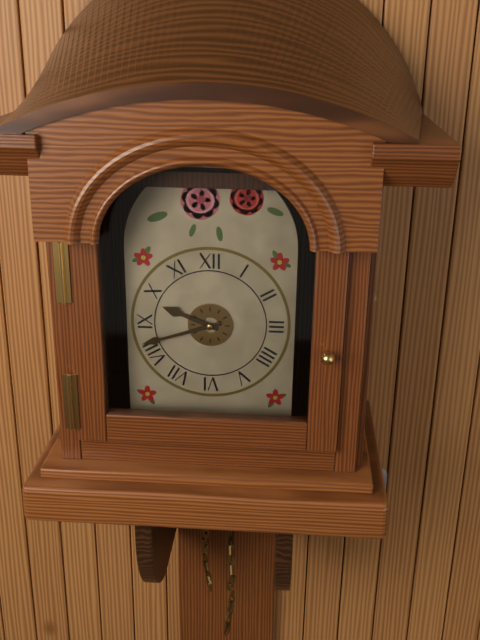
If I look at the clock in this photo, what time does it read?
9:42
